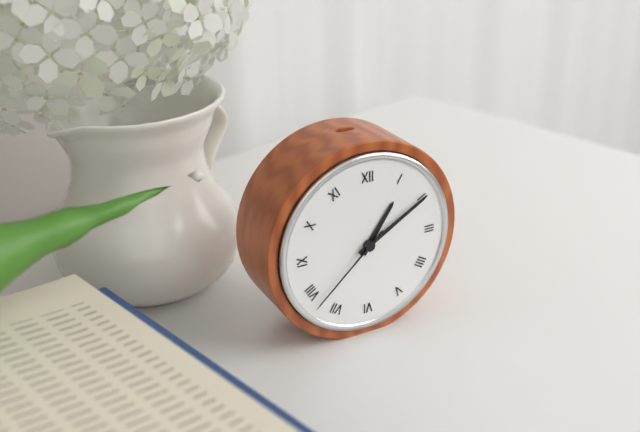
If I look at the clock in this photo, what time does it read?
1:10:38
